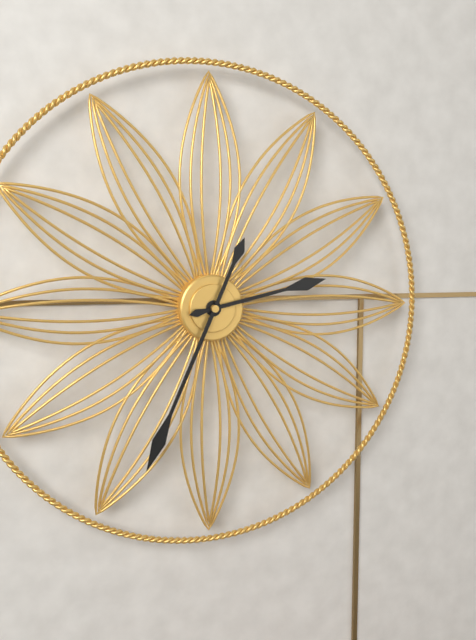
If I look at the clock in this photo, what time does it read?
2:34
